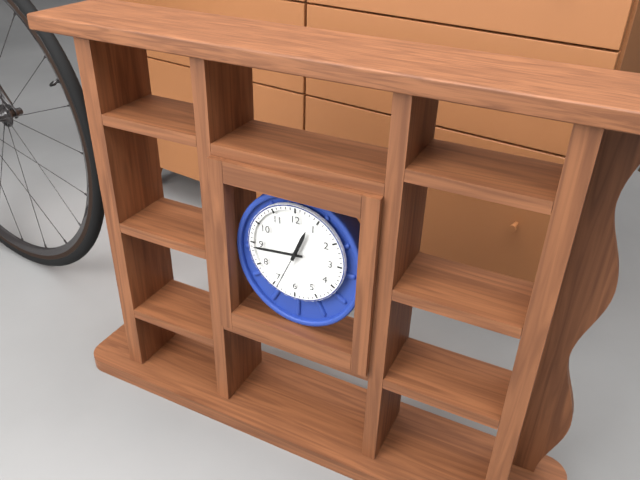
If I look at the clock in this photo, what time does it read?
12:44
